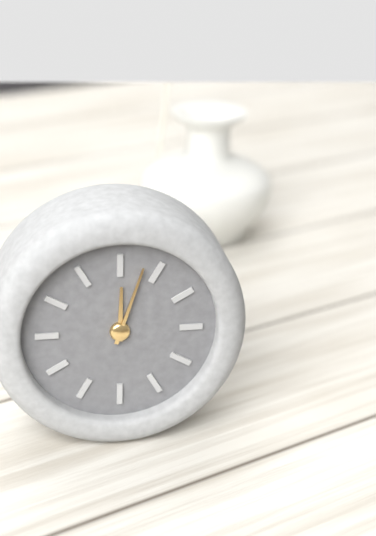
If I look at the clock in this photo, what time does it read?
12:03
